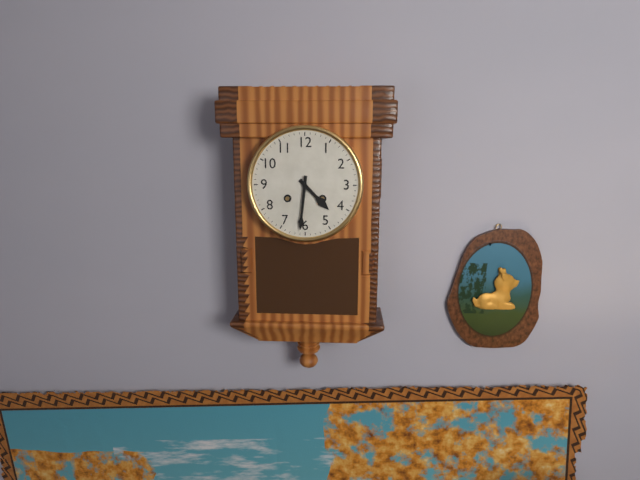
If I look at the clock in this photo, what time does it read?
4:31
